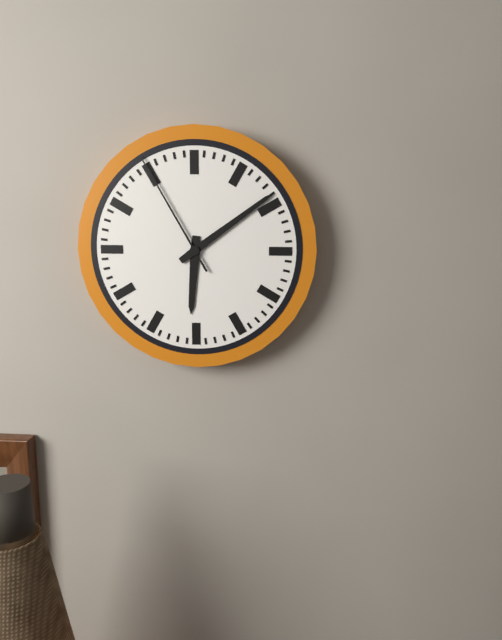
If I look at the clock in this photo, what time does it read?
6:09:55
